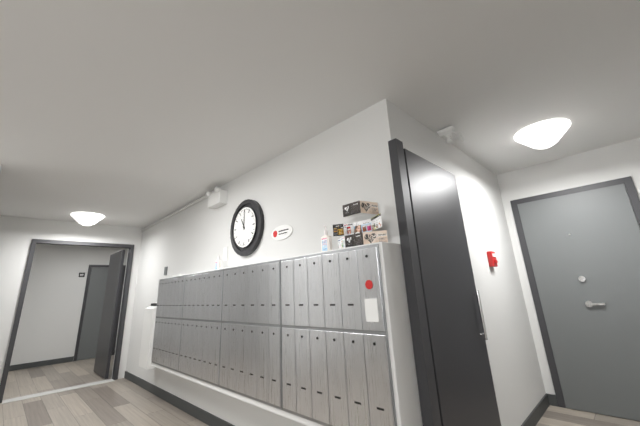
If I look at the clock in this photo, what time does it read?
11:00
